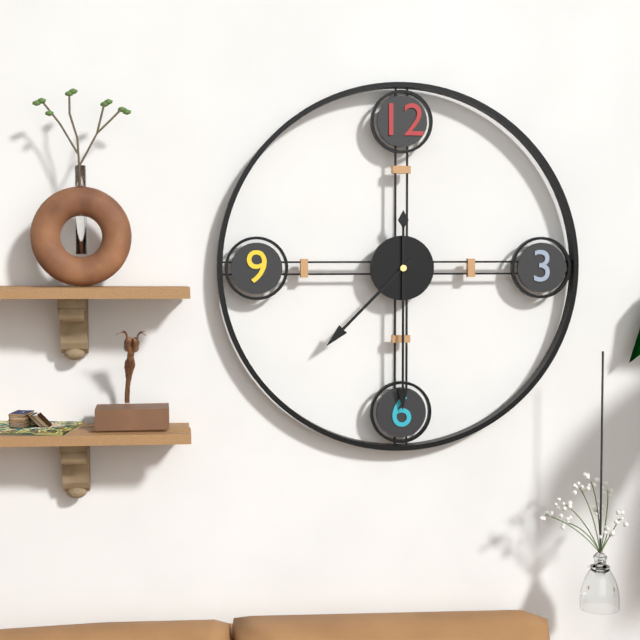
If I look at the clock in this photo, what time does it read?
7:30
